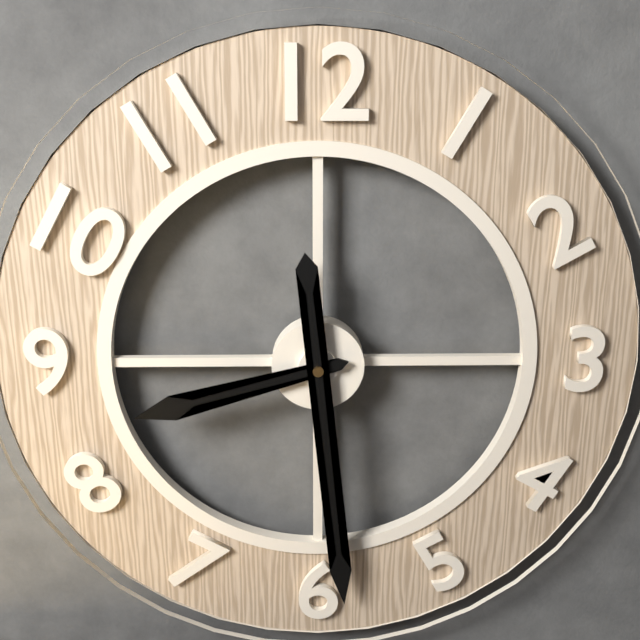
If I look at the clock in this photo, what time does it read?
8:29
